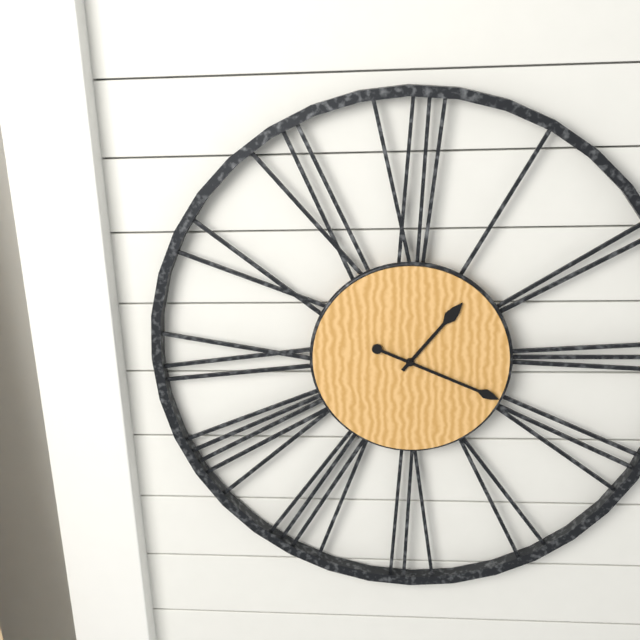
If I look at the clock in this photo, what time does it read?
1:19
